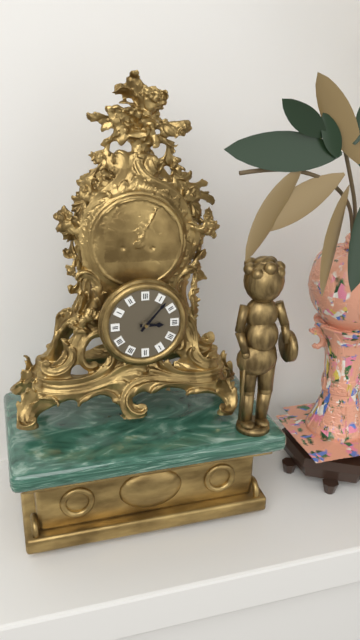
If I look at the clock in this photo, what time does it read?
3:07
